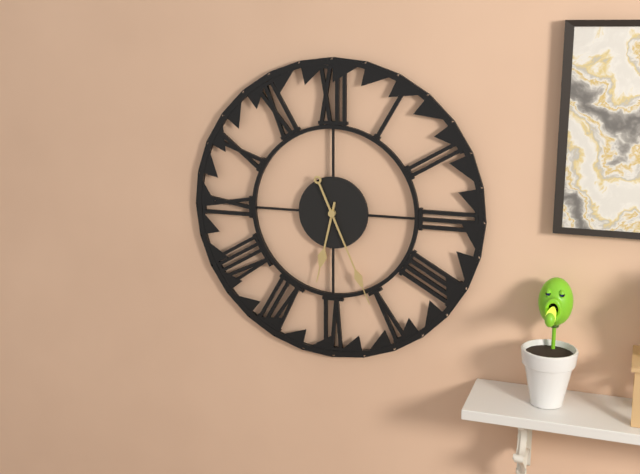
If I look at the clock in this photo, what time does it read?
6:26
